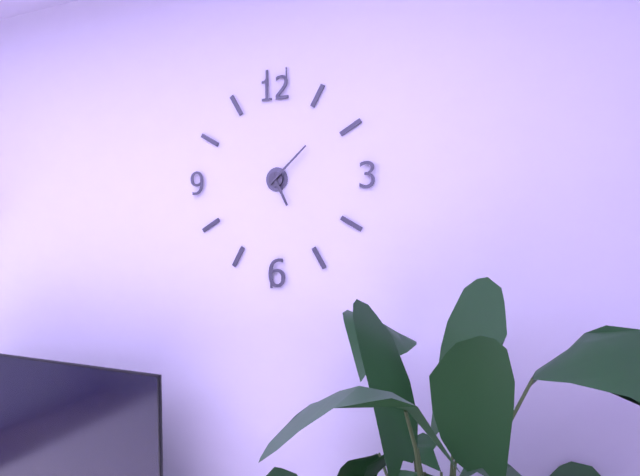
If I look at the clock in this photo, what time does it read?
5:08
